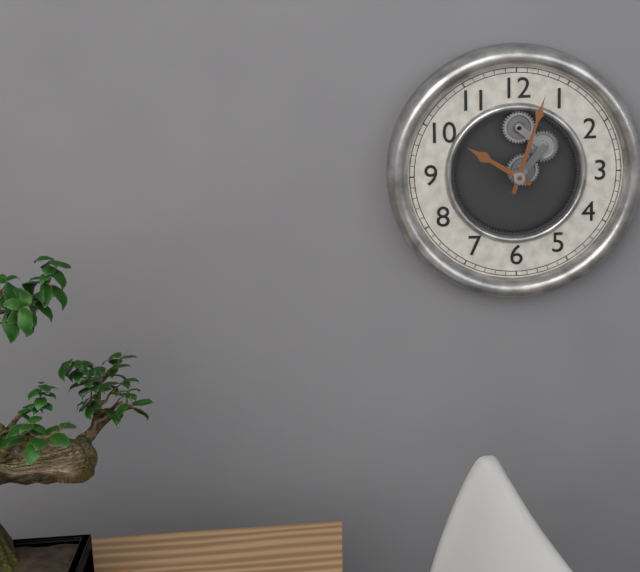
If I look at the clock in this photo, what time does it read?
10:03
